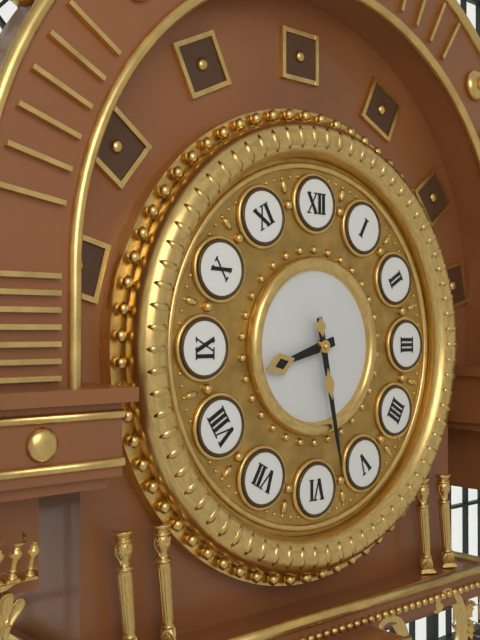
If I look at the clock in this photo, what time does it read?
8:28
